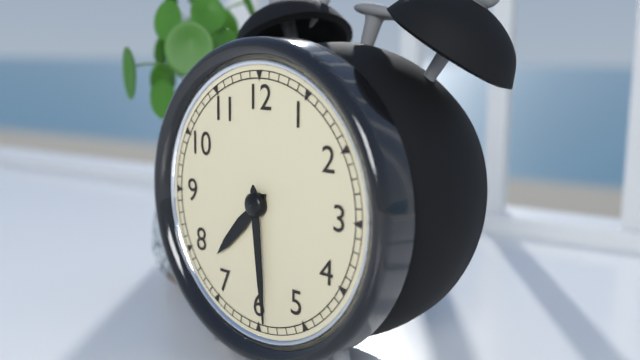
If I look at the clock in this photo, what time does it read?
7:29
